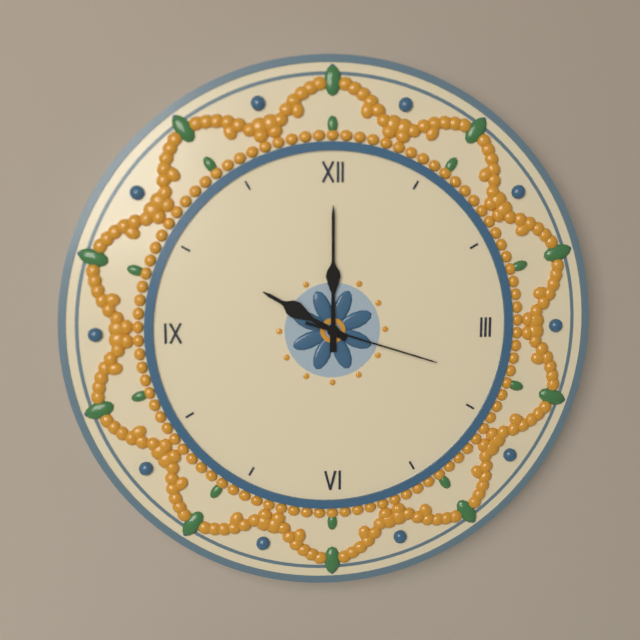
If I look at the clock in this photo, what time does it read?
10:00:18
